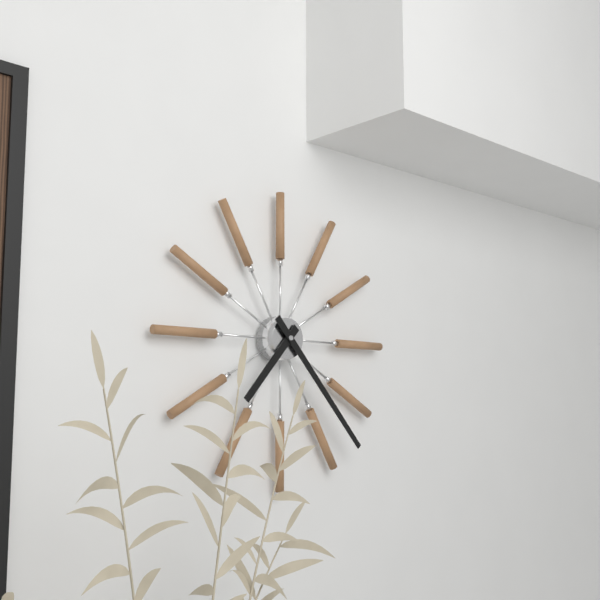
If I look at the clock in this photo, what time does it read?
7:23
